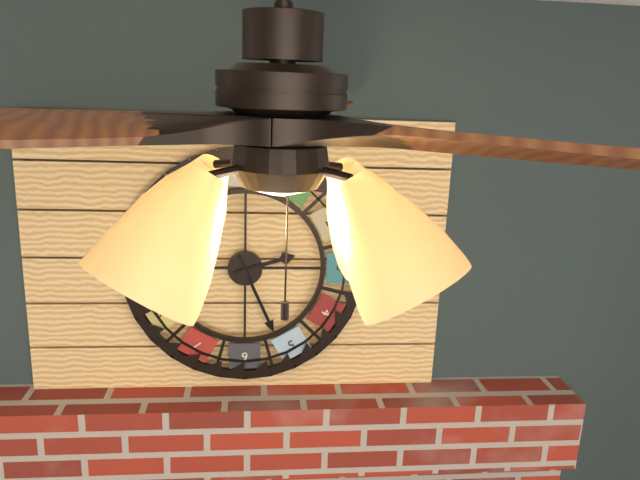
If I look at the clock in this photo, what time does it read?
2:26
